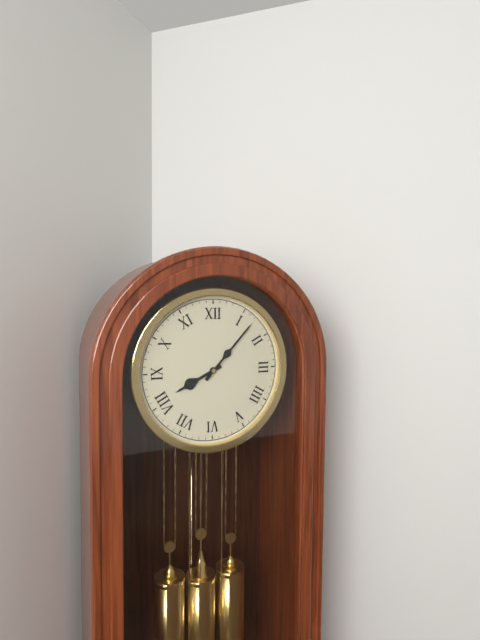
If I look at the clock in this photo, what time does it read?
8:07
